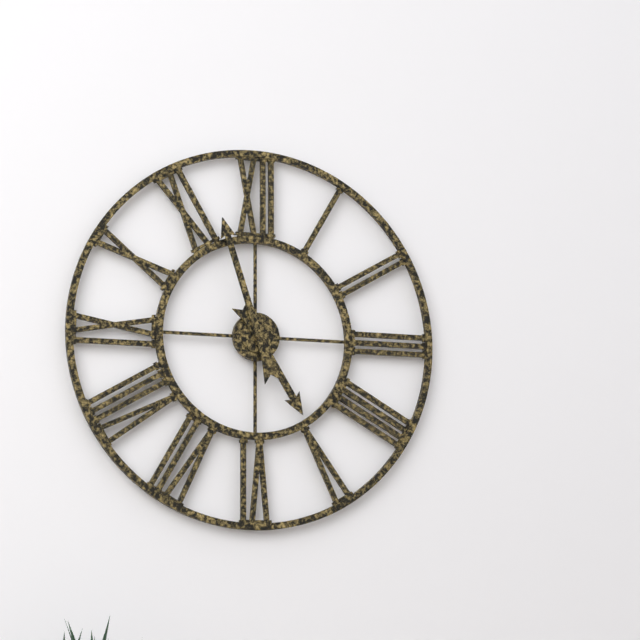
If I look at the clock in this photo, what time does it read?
4:57
